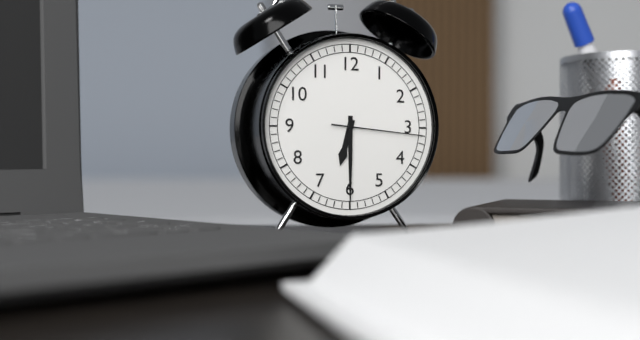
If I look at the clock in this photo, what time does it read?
6:30:16
